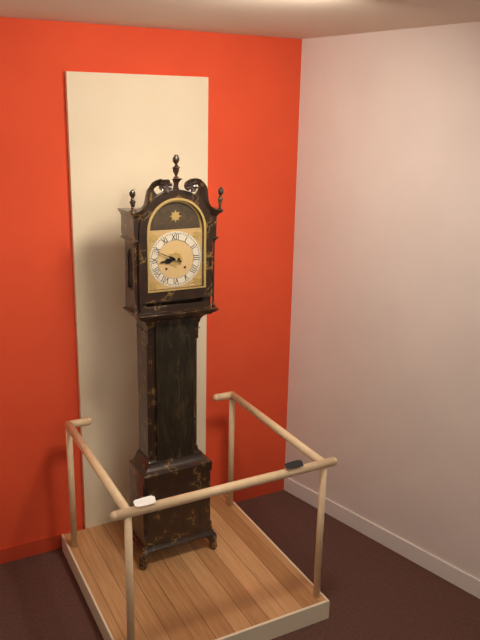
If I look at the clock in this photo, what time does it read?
8:49
